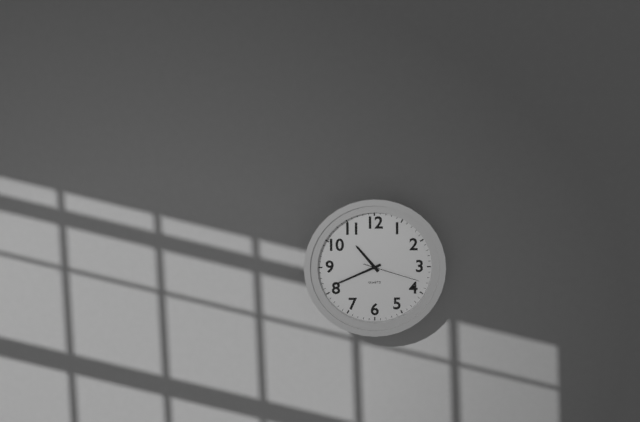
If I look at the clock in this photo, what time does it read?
10:41:18
